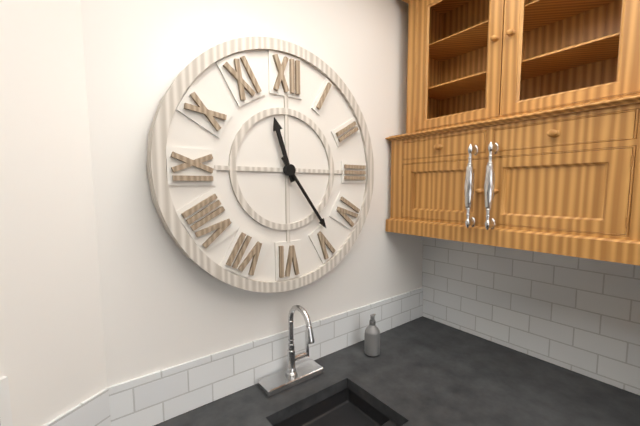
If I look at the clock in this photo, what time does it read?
11:24
